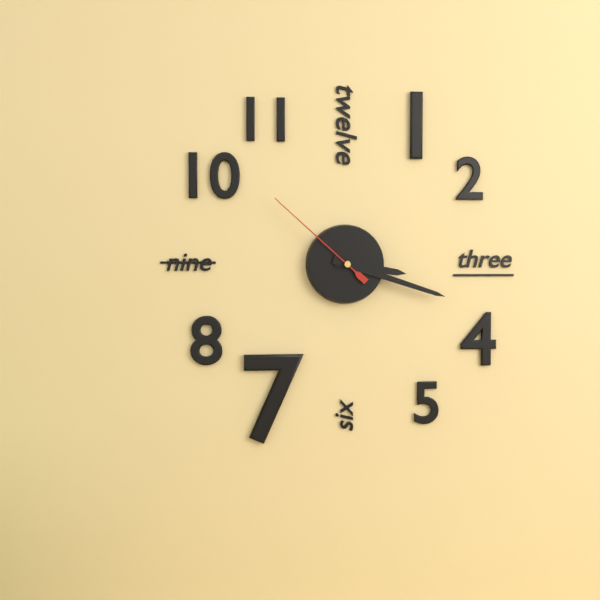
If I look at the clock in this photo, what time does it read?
3:18:52
